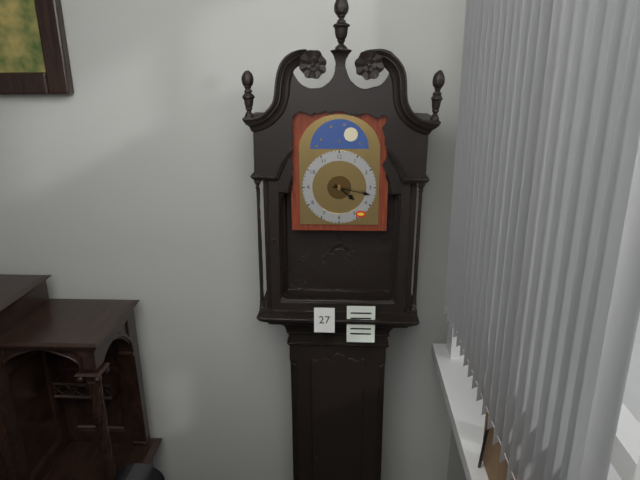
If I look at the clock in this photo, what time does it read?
4:17
